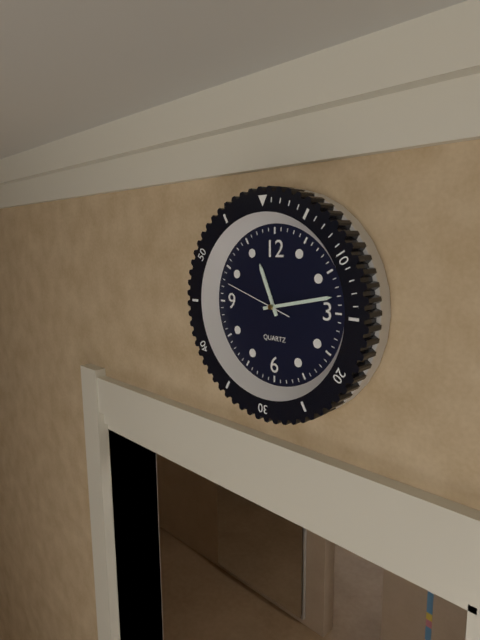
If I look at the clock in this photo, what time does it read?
11:13:48
